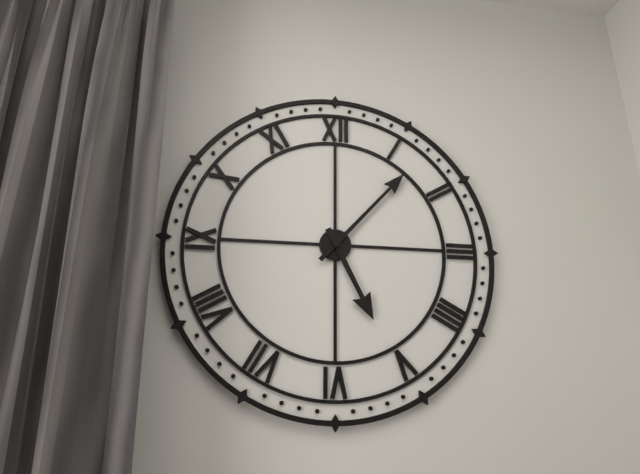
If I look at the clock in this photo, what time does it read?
5:07
